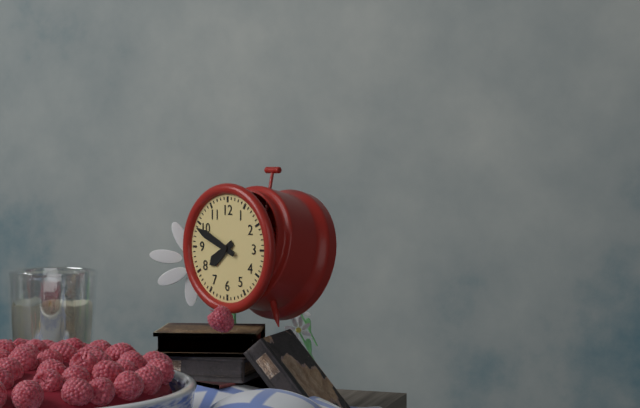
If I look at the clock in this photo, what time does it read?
7:49
